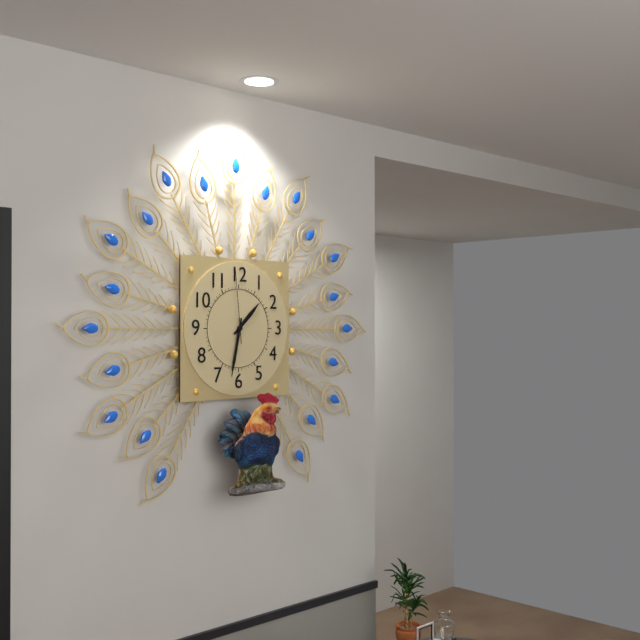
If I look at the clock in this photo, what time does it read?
1:32:59
